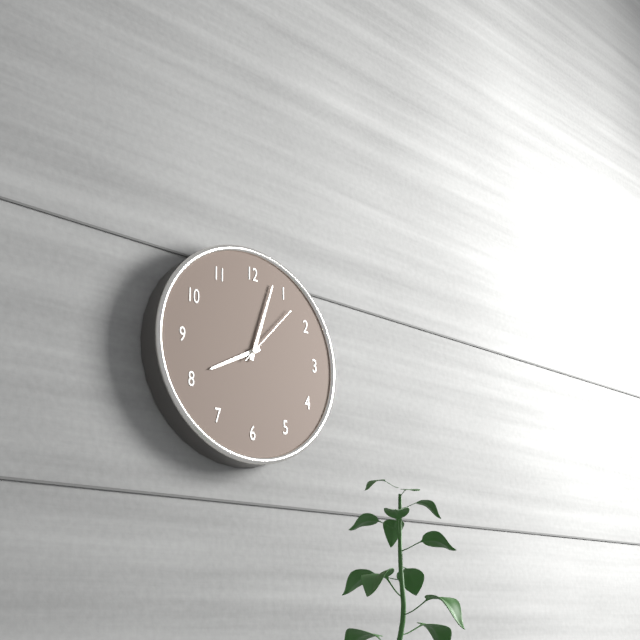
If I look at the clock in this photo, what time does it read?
8:03:07
